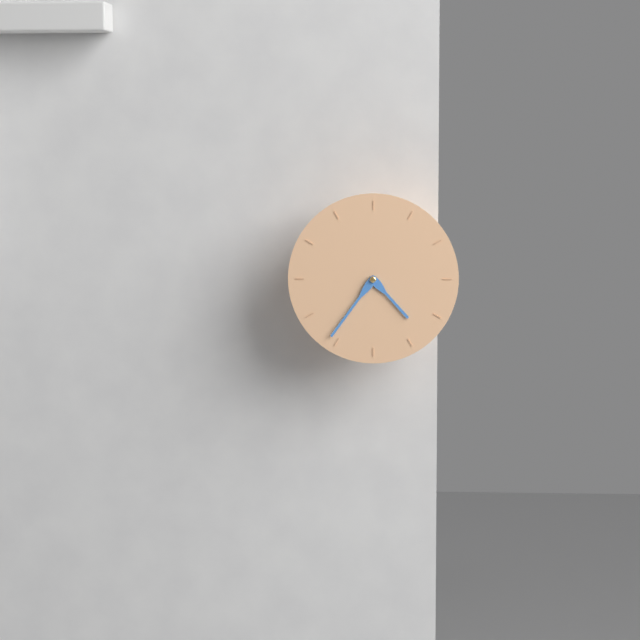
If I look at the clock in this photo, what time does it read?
4:36
